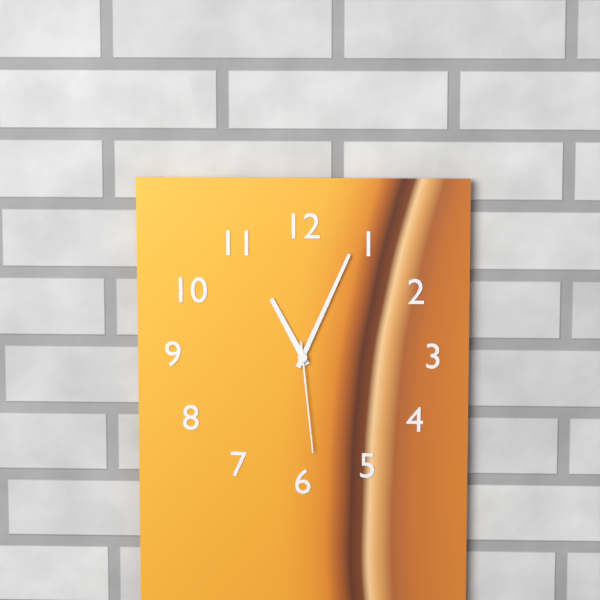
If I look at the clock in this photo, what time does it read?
11:04:29
